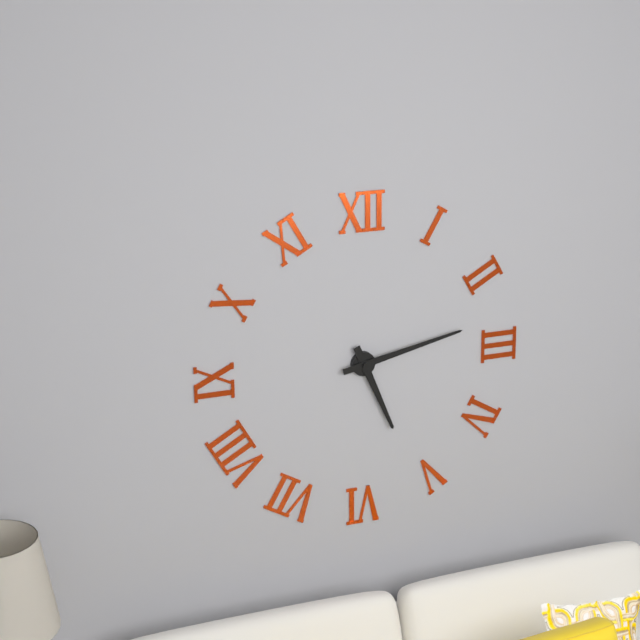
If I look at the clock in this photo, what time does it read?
5:13
